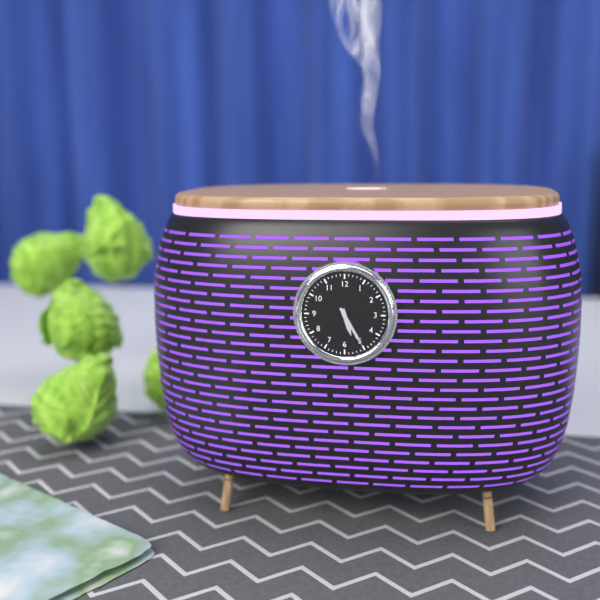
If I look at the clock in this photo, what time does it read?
5:25
